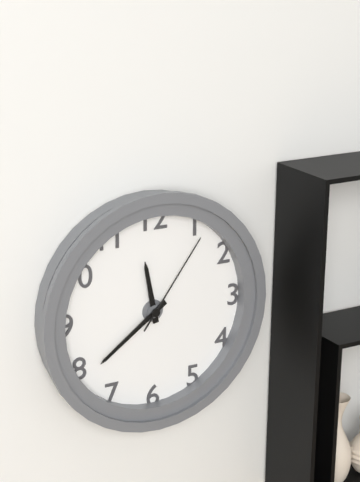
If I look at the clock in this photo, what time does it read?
11:39:06
